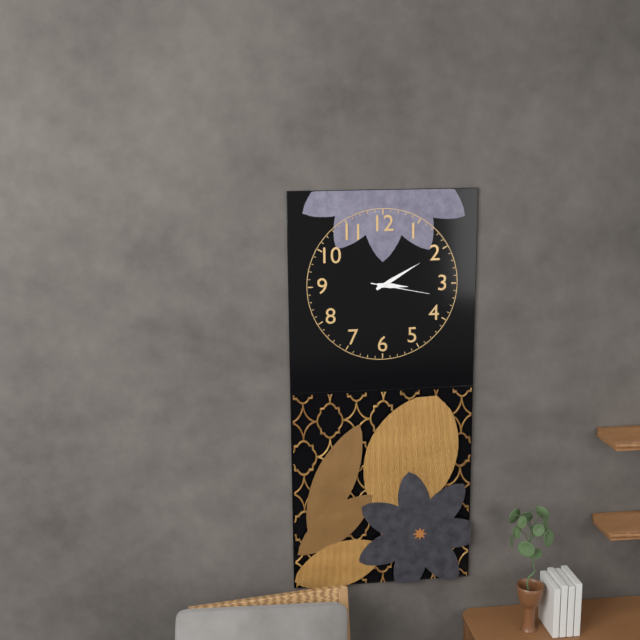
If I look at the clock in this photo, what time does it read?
3:10:17
